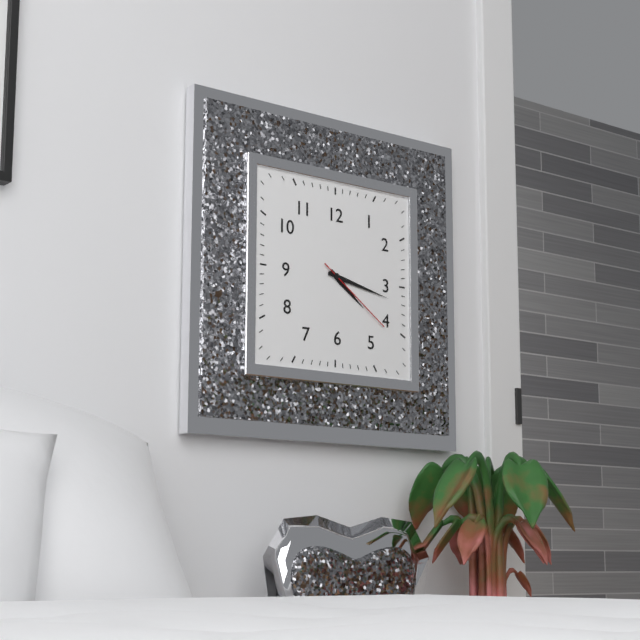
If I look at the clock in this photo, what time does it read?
4:17:21
